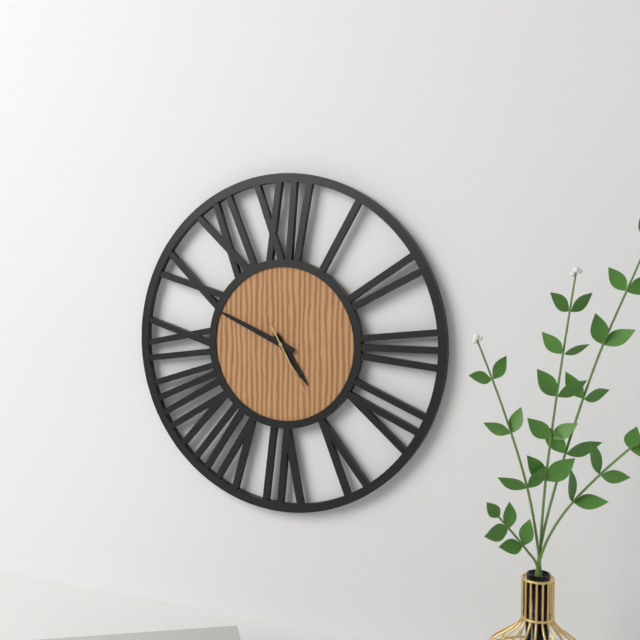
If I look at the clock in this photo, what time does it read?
4:49:25
